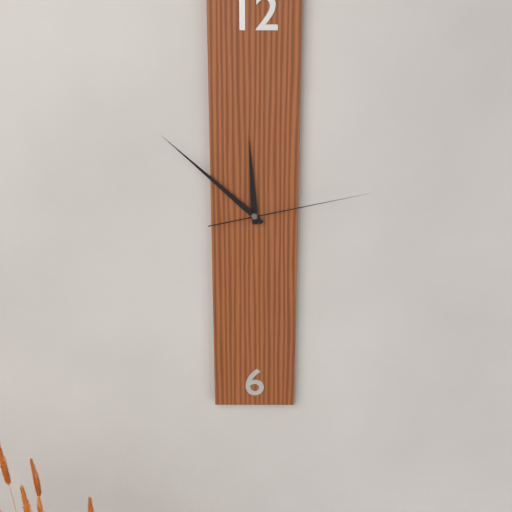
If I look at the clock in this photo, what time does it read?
11:52:13
